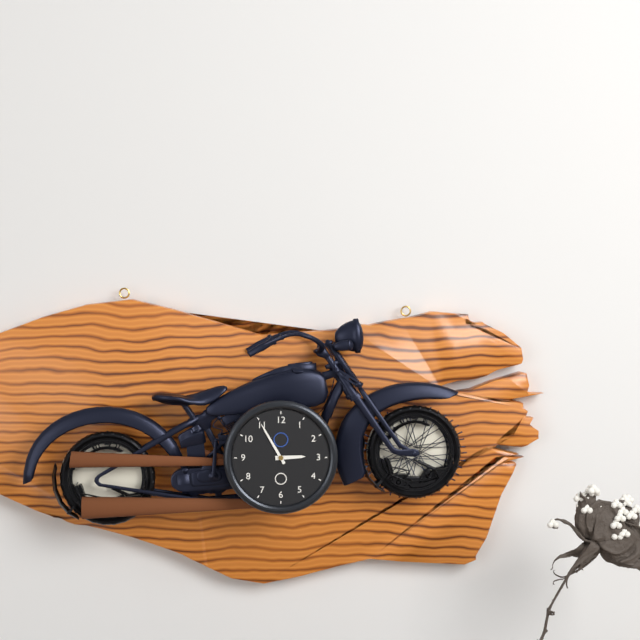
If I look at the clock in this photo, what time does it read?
2:55
